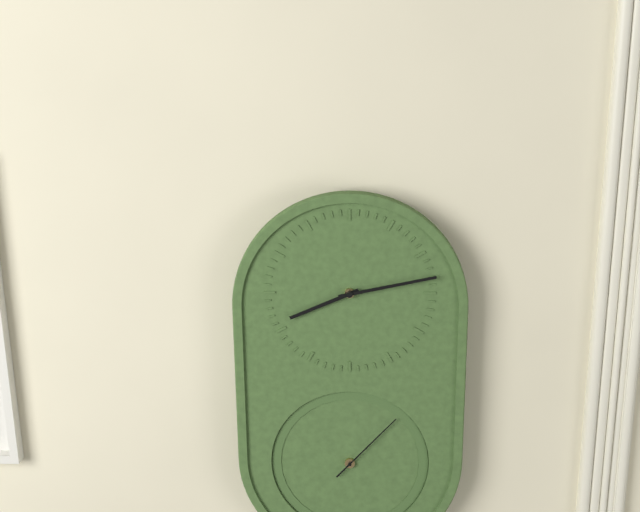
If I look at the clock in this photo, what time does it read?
8:13:07
